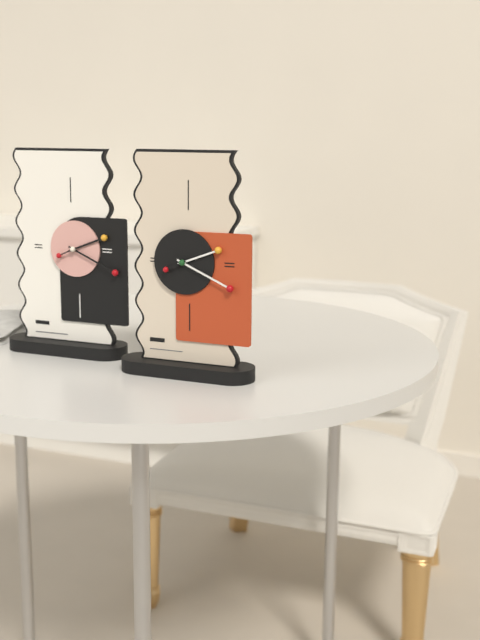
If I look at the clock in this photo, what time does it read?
2:19
